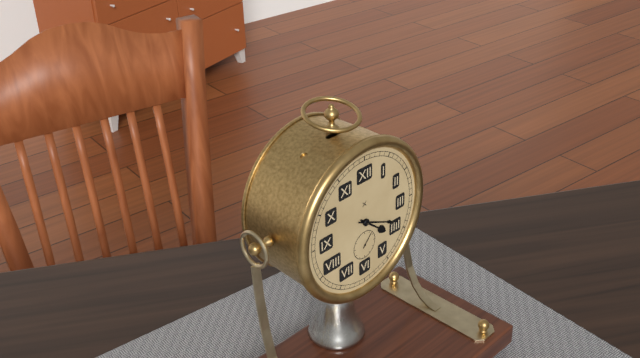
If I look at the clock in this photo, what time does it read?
4:19
